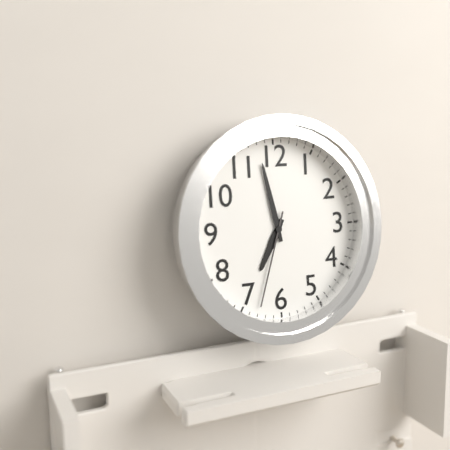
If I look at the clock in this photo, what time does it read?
6:58:33
